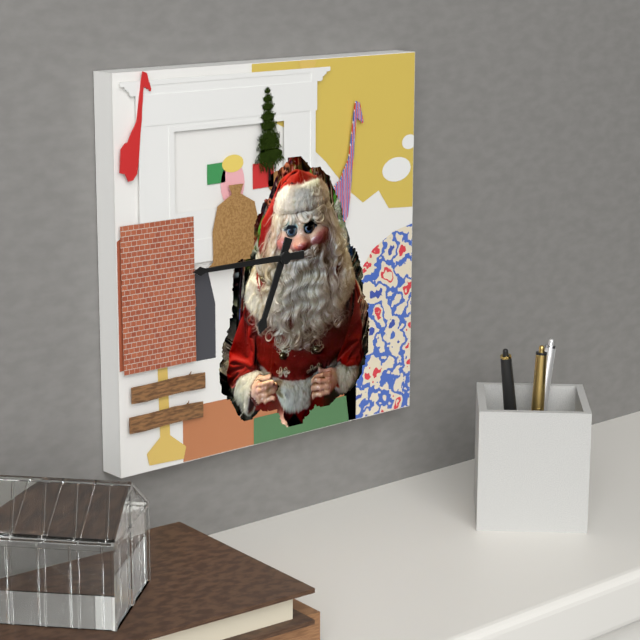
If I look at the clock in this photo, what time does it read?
6:45
